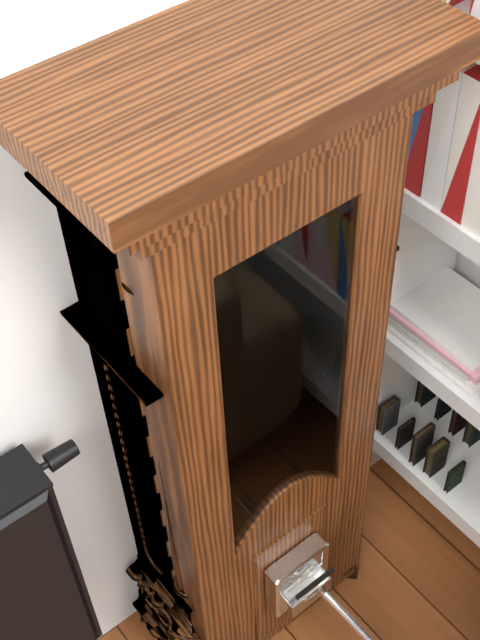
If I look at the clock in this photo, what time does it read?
2:24
